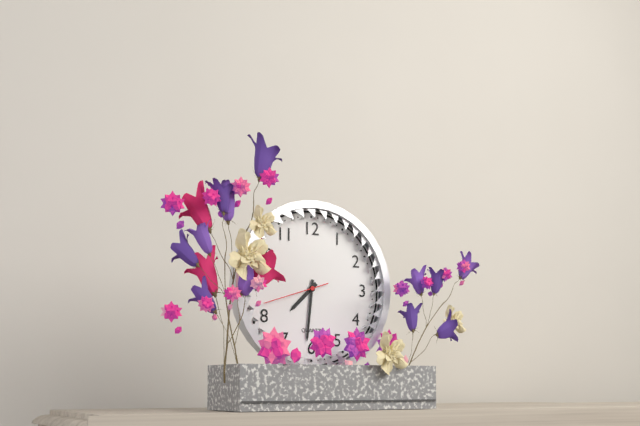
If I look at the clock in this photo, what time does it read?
7:31:42
